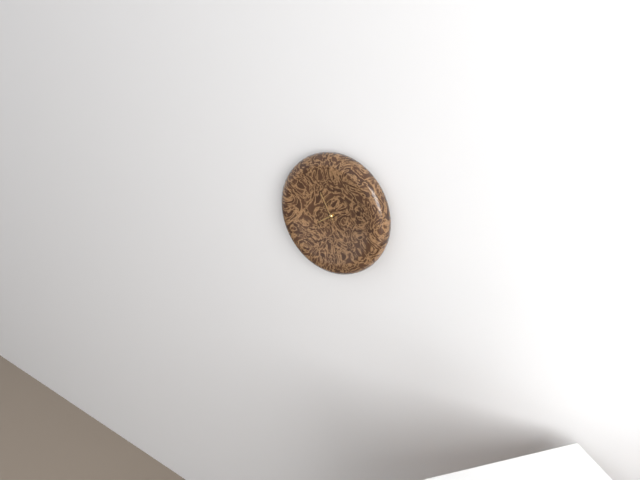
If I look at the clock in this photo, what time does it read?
7:55
